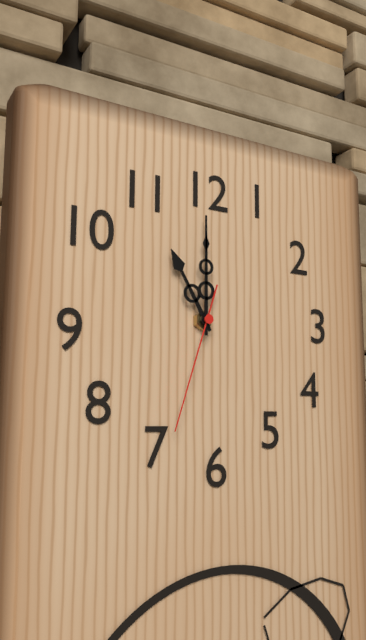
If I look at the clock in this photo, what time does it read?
11:00:33
